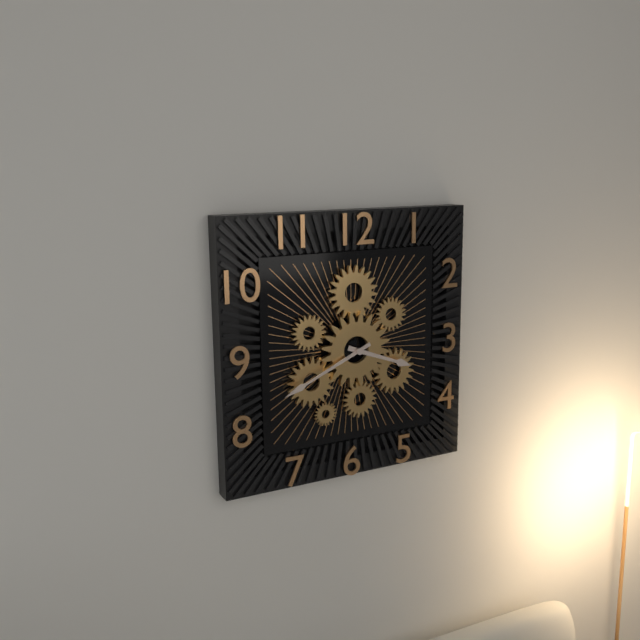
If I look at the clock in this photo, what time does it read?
3:41
